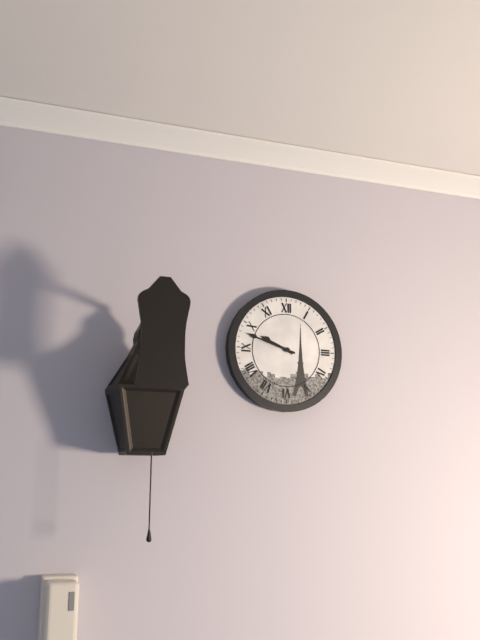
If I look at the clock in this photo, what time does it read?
9:48
